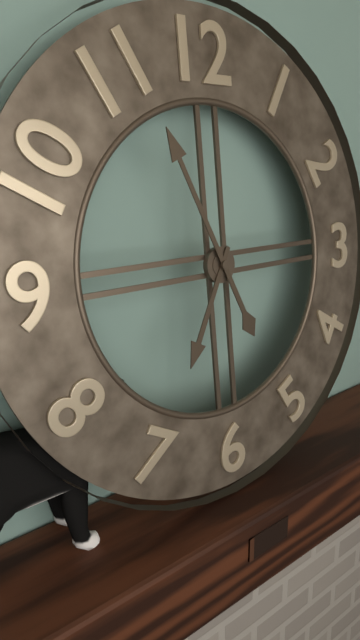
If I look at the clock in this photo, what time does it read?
6:56
